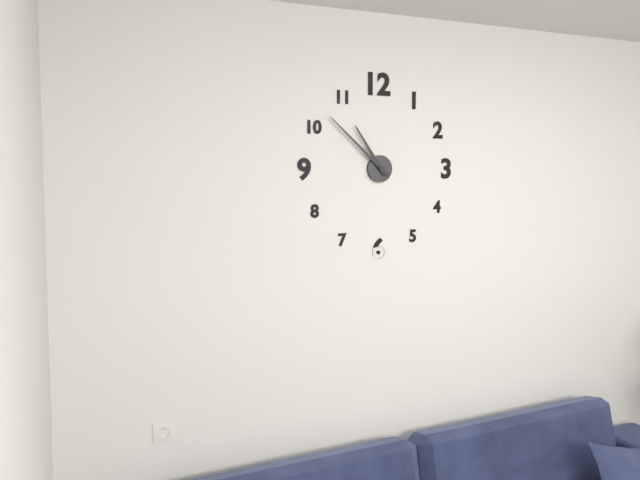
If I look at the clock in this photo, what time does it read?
10:52
